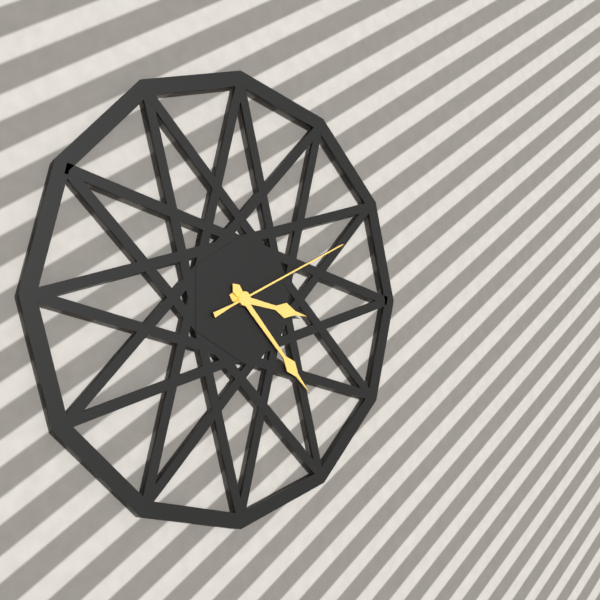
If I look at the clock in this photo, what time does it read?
3:23:11
